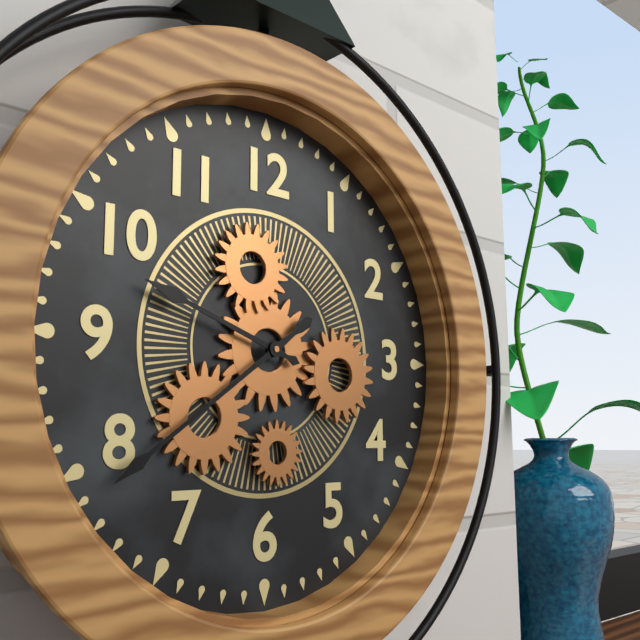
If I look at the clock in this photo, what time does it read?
9:39
